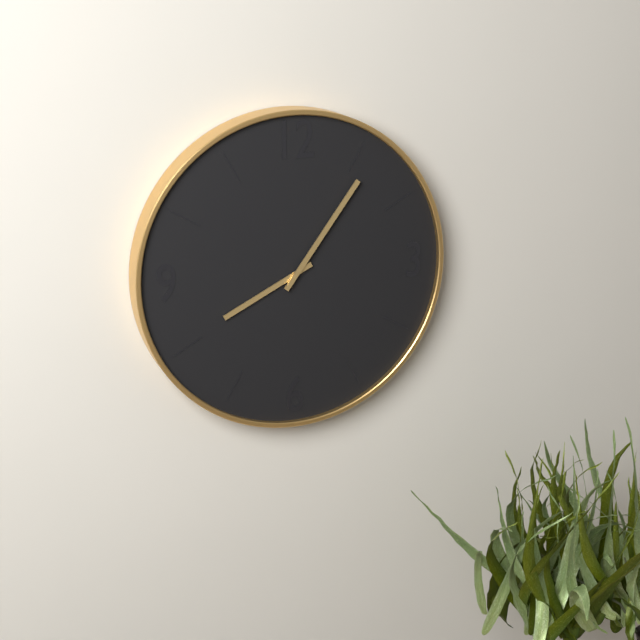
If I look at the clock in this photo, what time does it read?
8:06
